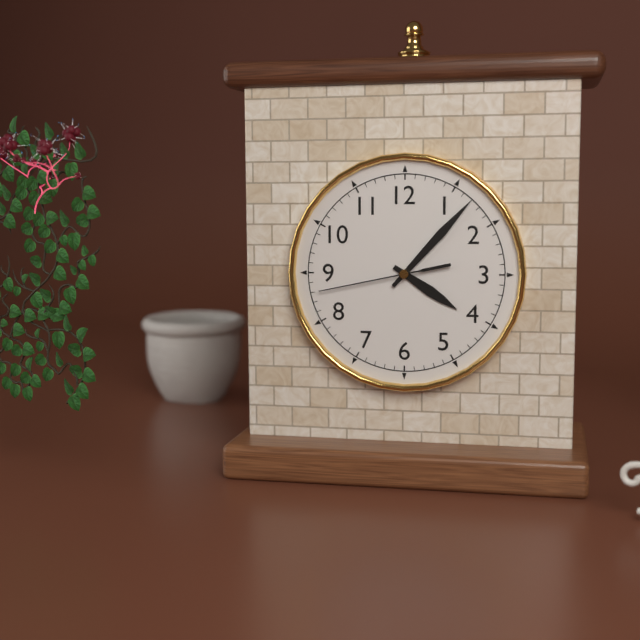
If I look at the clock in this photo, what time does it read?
4:07:43
